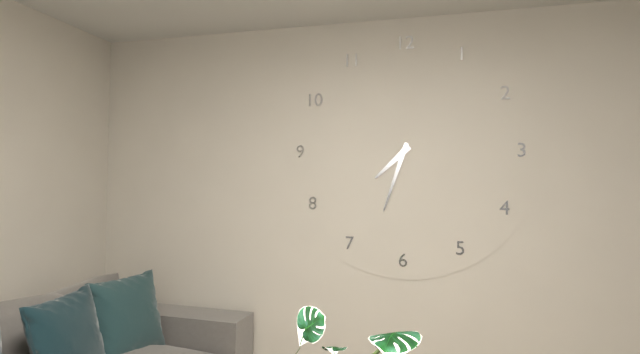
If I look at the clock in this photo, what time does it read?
7:33
